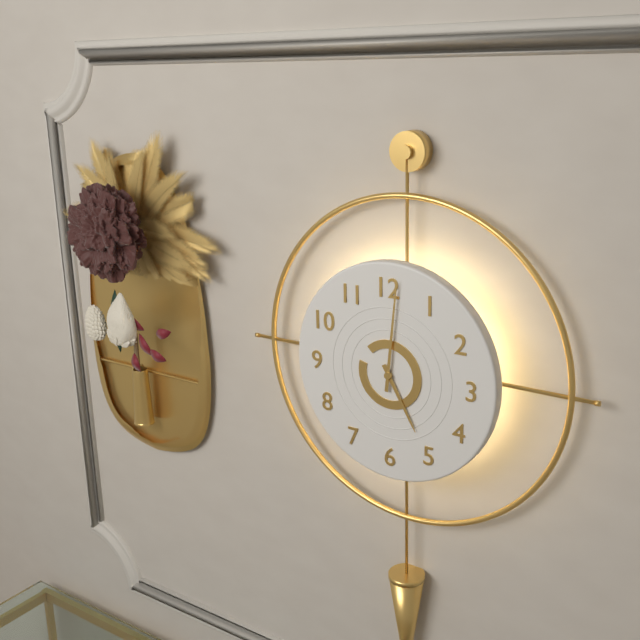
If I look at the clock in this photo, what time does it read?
5:01
